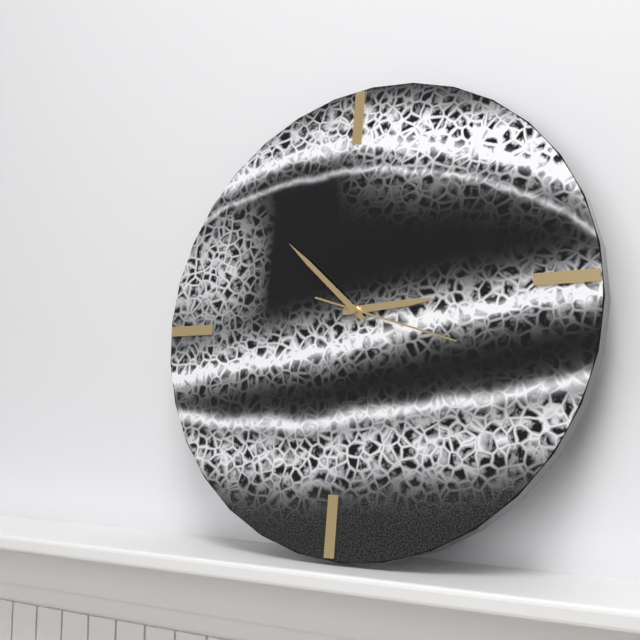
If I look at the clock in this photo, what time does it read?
2:52:18
